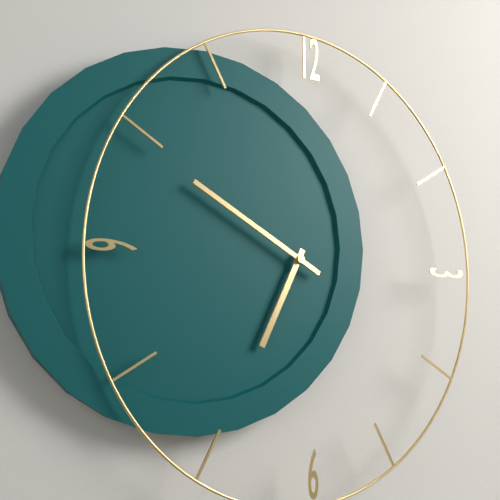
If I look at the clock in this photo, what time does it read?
6:50
